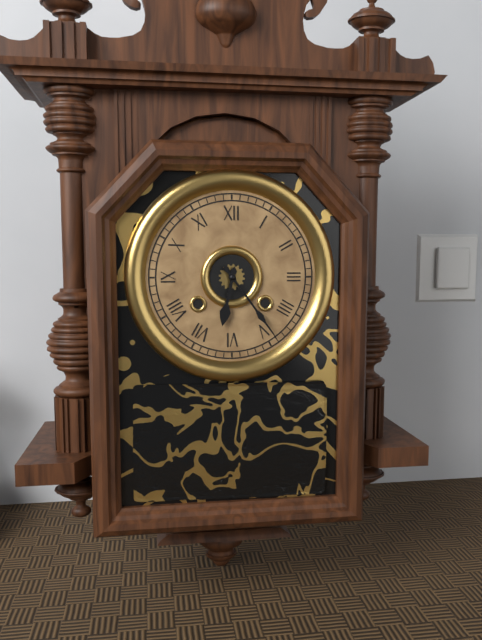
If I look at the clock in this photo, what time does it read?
6:24
